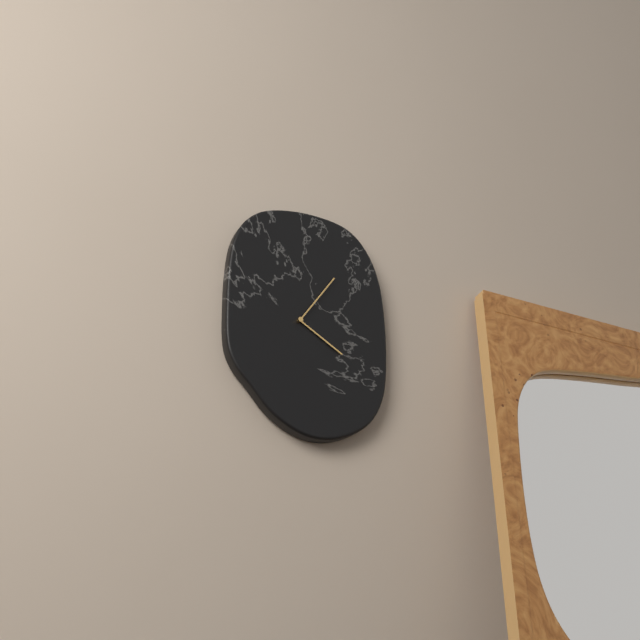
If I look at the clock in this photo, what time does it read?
4:06
